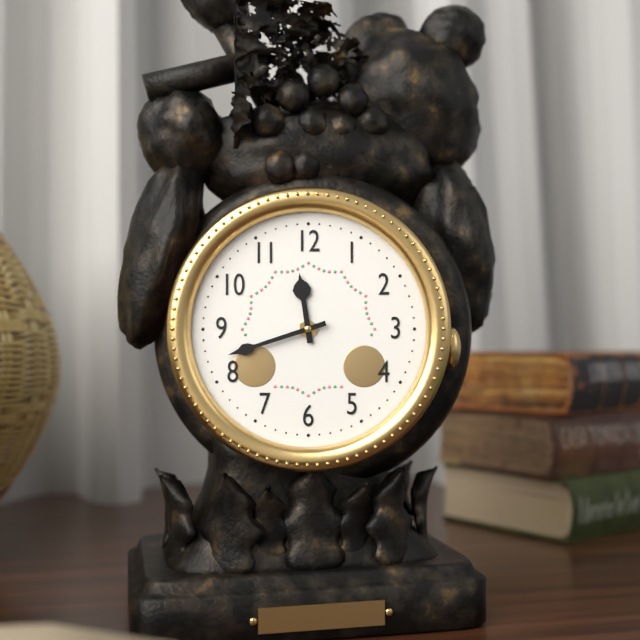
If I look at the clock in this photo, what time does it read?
11:42
